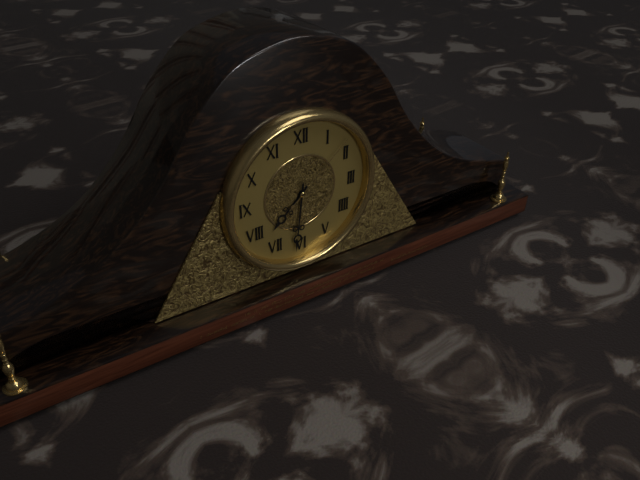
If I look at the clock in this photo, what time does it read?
7:31:08
